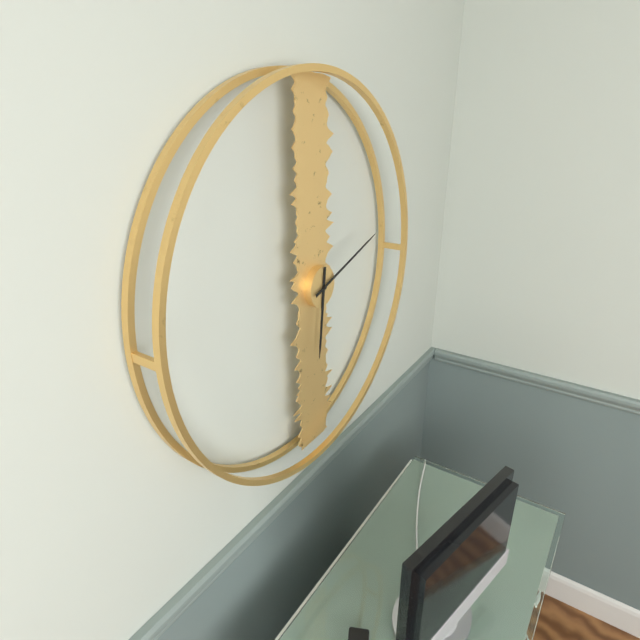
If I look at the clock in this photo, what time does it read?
6:12
